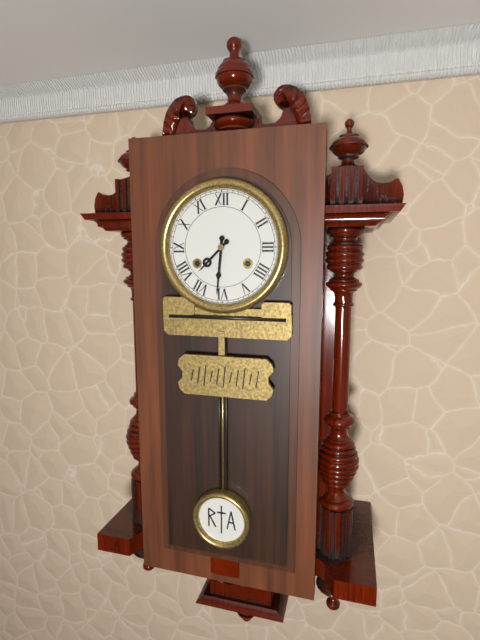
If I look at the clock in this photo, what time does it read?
7:31
